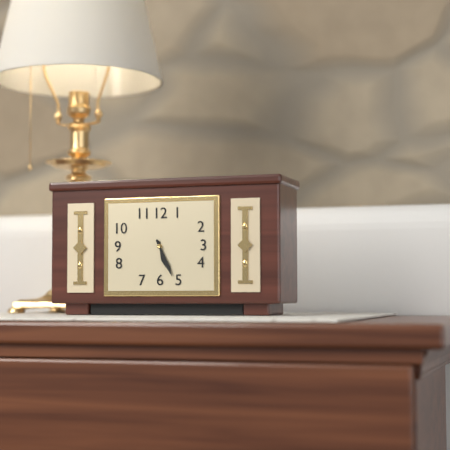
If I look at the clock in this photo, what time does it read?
5:26
